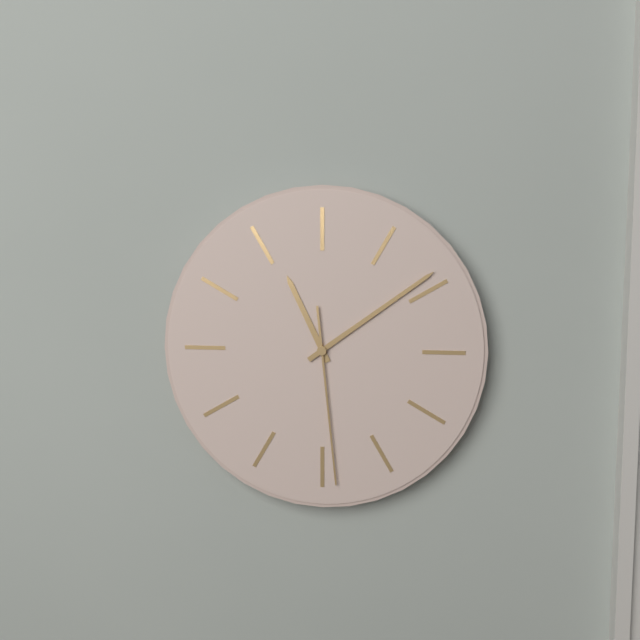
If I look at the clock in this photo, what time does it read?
11:09:29
